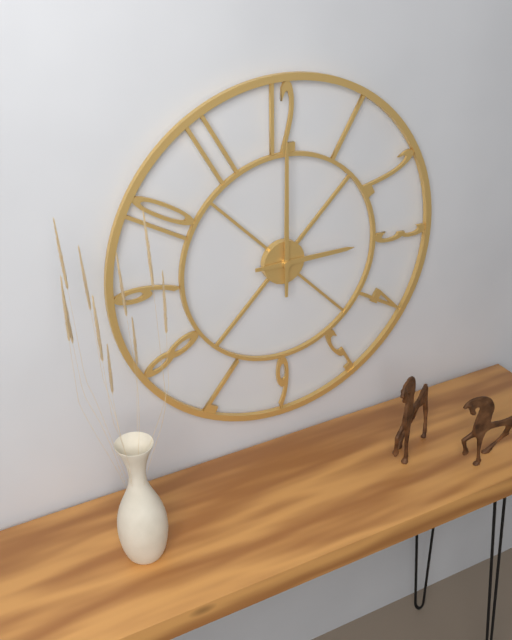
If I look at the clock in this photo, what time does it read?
3:00
